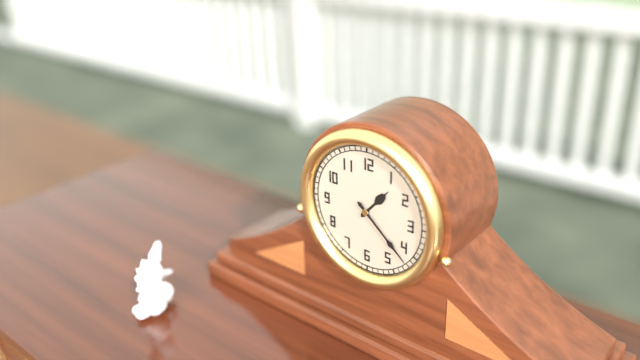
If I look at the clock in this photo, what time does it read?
1:22
